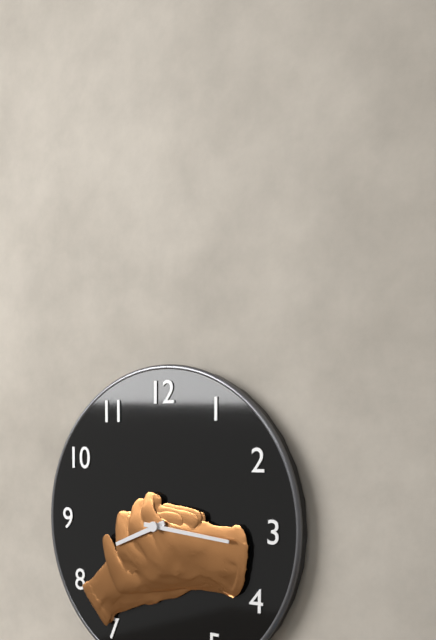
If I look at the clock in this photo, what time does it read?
8:16
